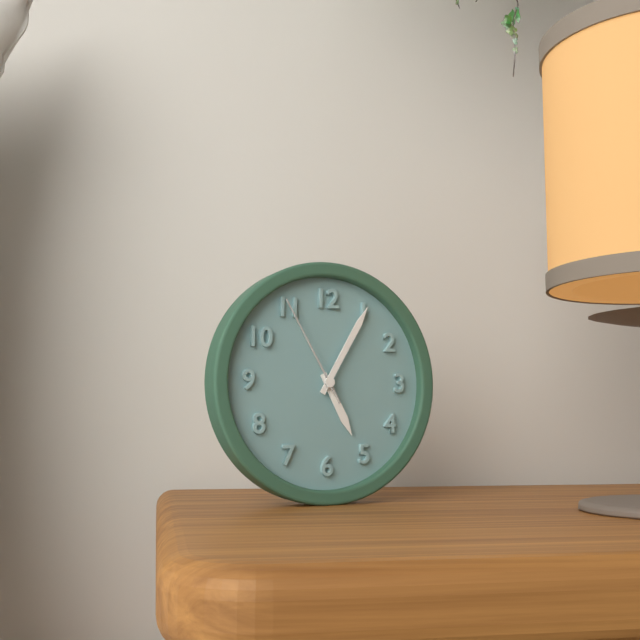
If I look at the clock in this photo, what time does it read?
5:05:55
